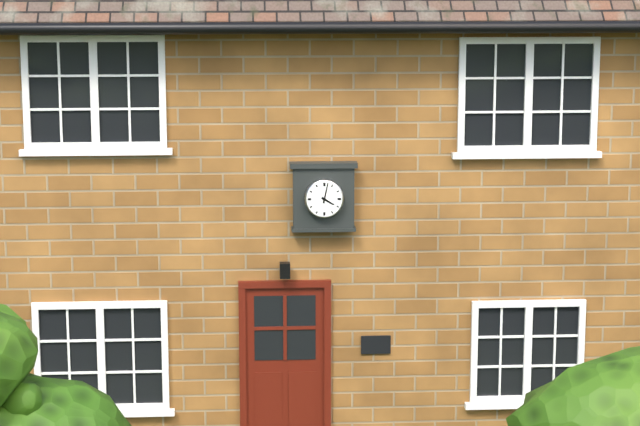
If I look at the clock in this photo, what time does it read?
4:02
